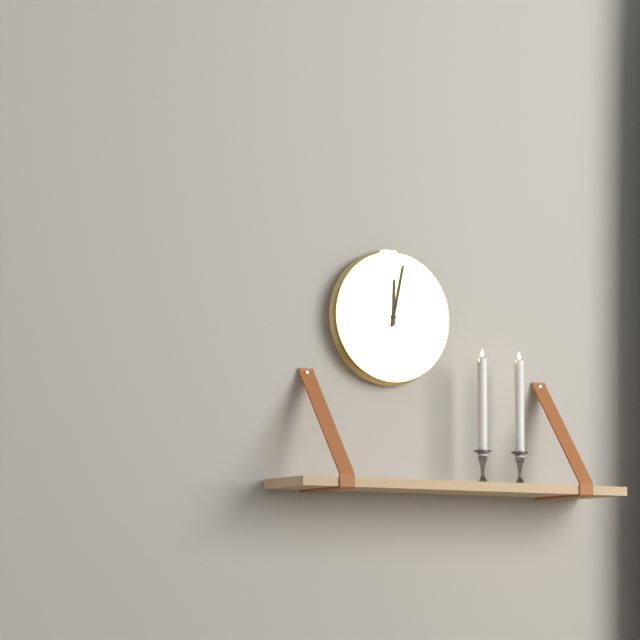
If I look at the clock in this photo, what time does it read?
12:02
